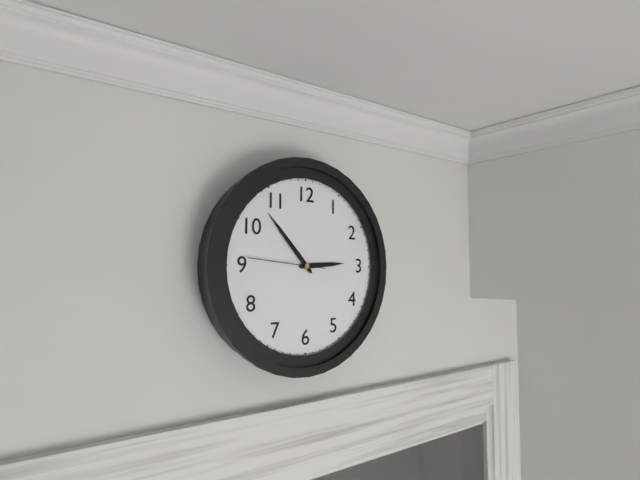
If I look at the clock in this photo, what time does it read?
2:53:46
